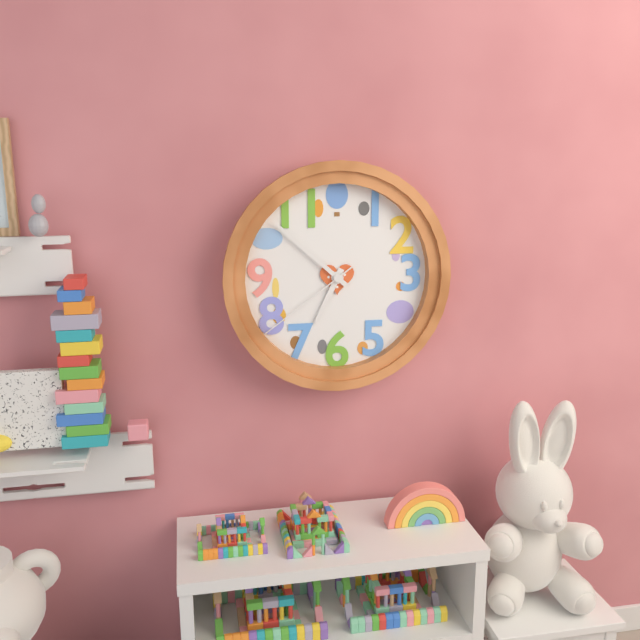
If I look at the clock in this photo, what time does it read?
6:52:39
